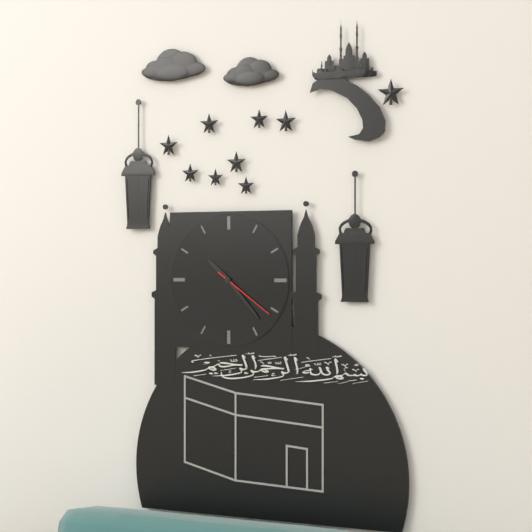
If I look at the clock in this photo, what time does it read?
10:23:21
